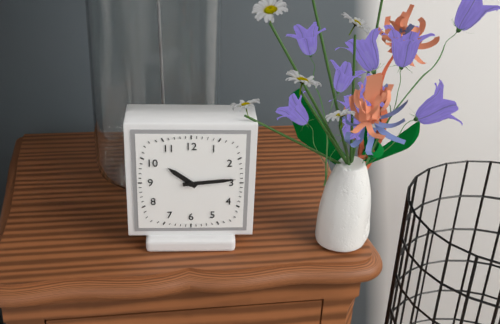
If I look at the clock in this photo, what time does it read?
10:14
